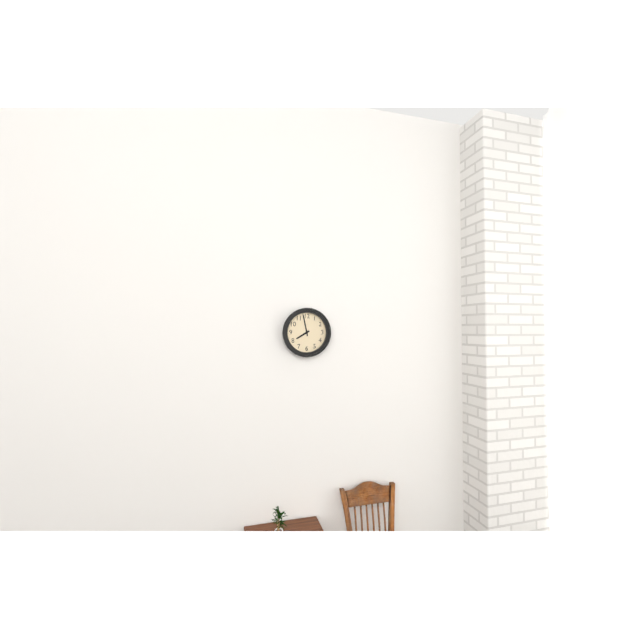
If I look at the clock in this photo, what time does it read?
7:58
